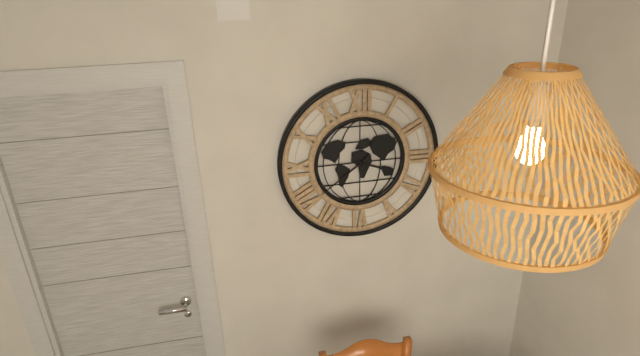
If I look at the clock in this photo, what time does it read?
3:39
